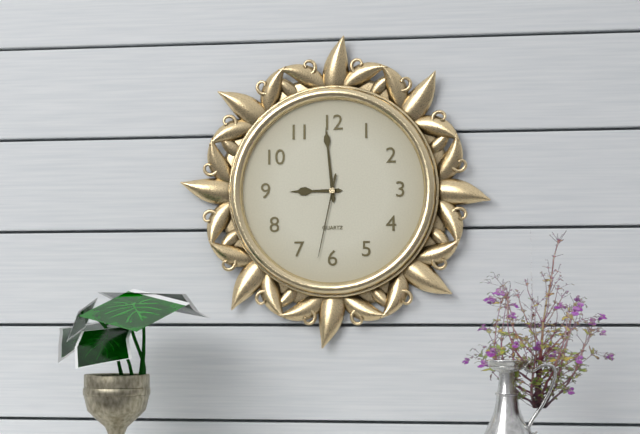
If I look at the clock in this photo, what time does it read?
8:59:32
